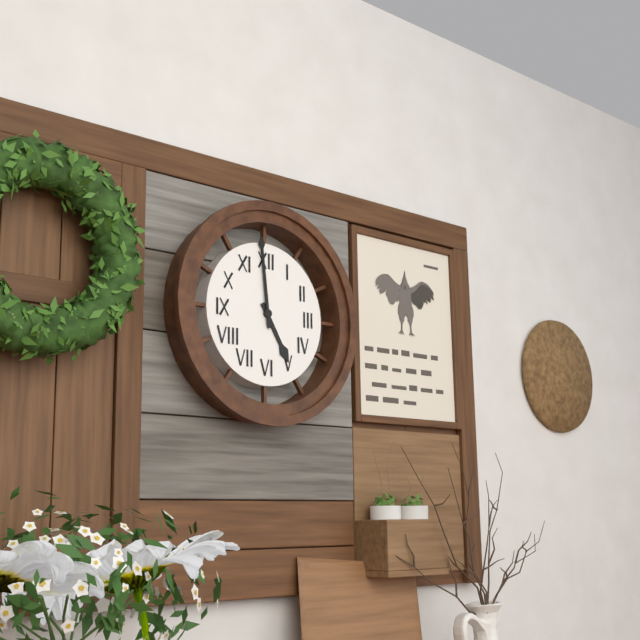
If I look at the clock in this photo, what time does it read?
4:59
